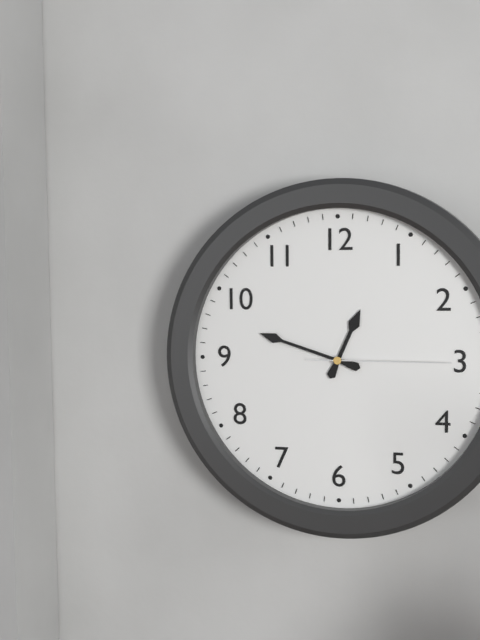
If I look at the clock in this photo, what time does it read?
12:48:15
